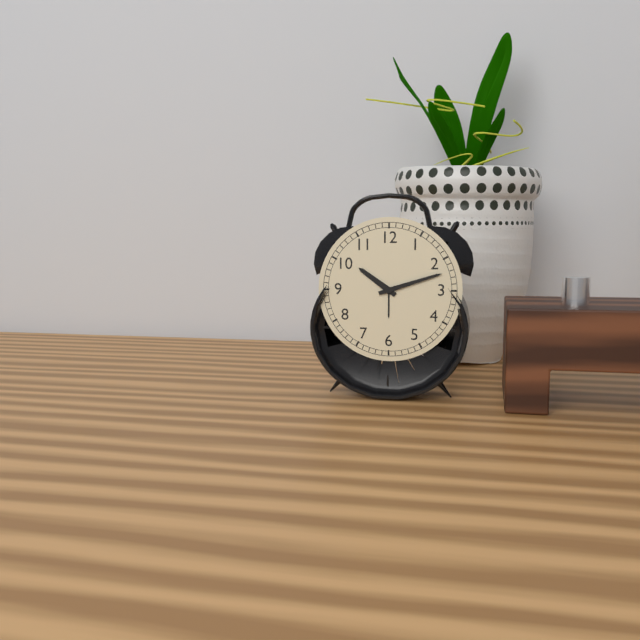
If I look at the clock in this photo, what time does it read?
10:12
